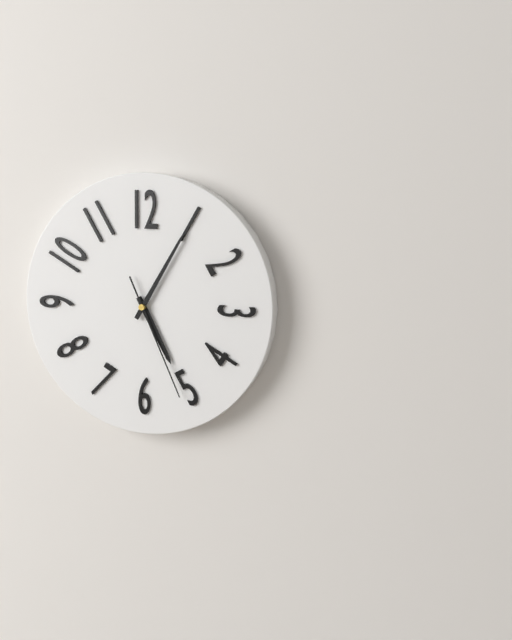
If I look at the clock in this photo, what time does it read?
5:05:26
